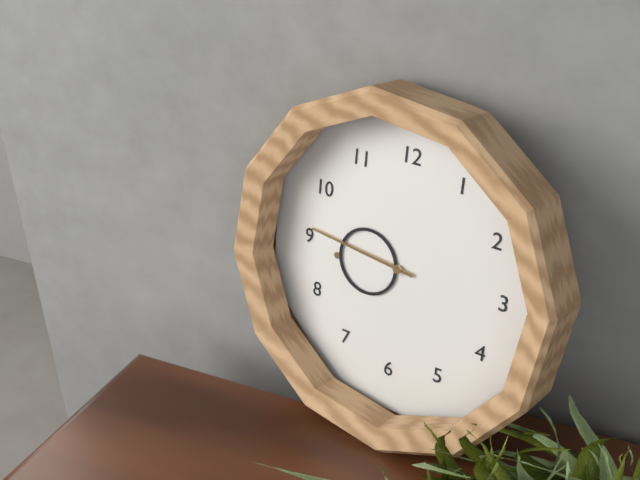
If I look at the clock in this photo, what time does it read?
8:46
